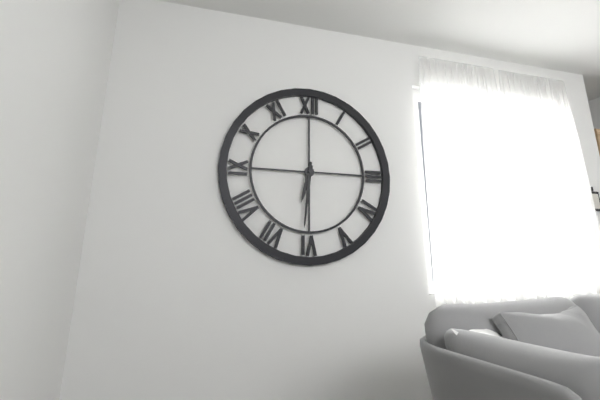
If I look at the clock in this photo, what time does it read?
6:31
